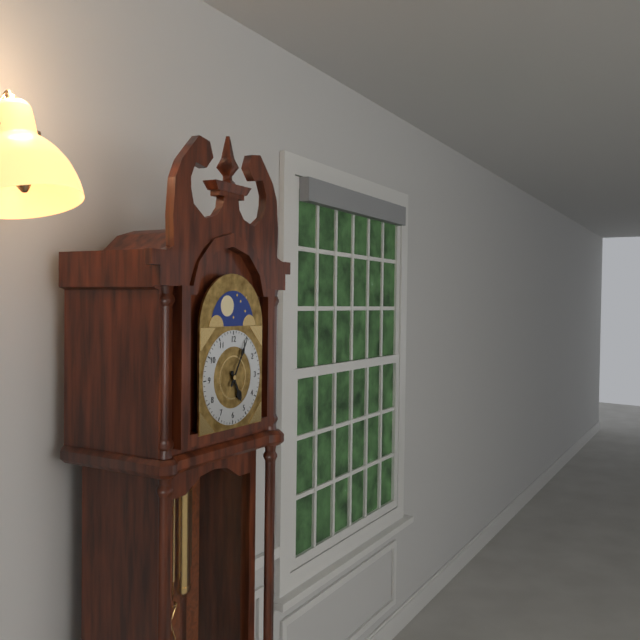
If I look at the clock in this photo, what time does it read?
5:05
